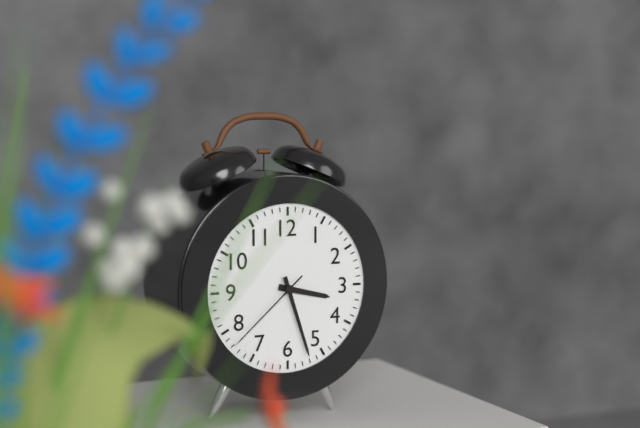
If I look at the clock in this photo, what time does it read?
3:27:38
